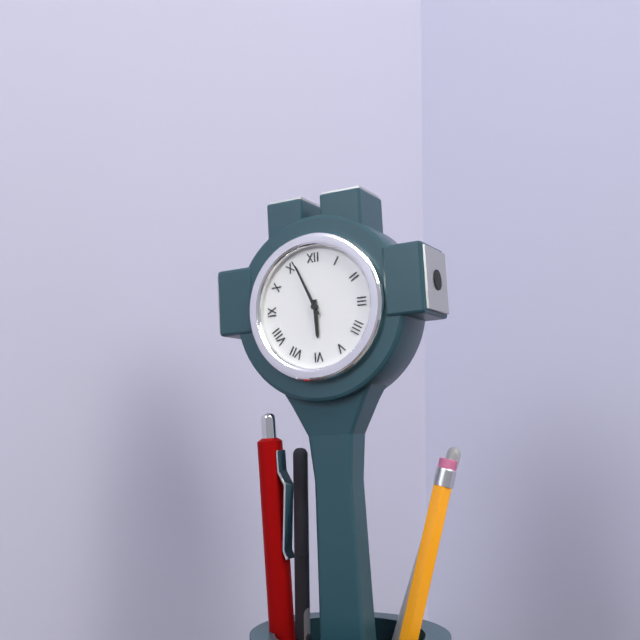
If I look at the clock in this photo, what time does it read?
5:56
